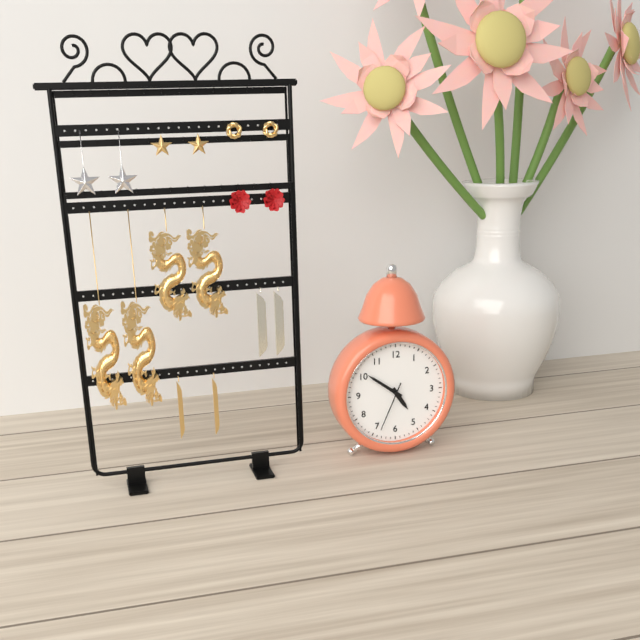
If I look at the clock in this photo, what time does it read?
4:51:34
